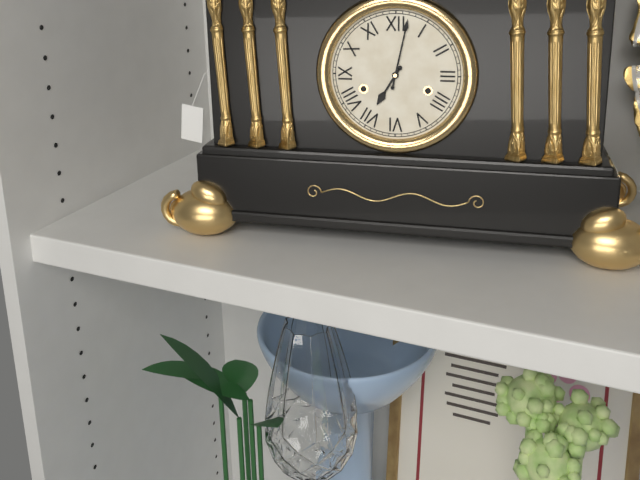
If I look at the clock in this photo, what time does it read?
7:02
